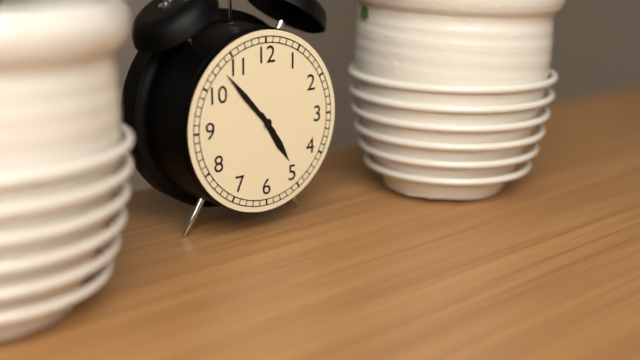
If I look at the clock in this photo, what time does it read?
4:53
